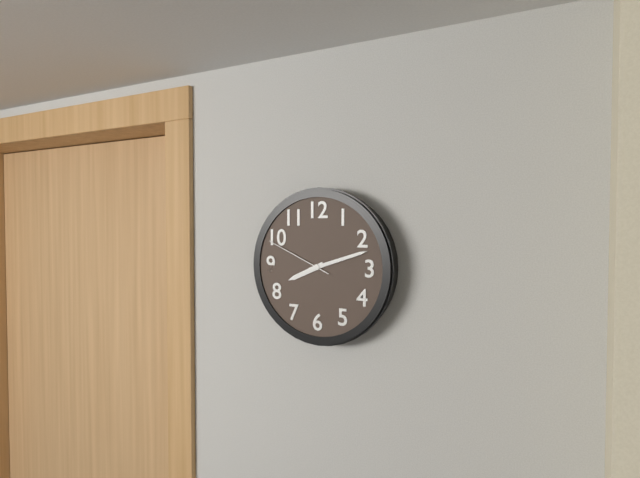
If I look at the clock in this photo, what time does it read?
8:12:49
